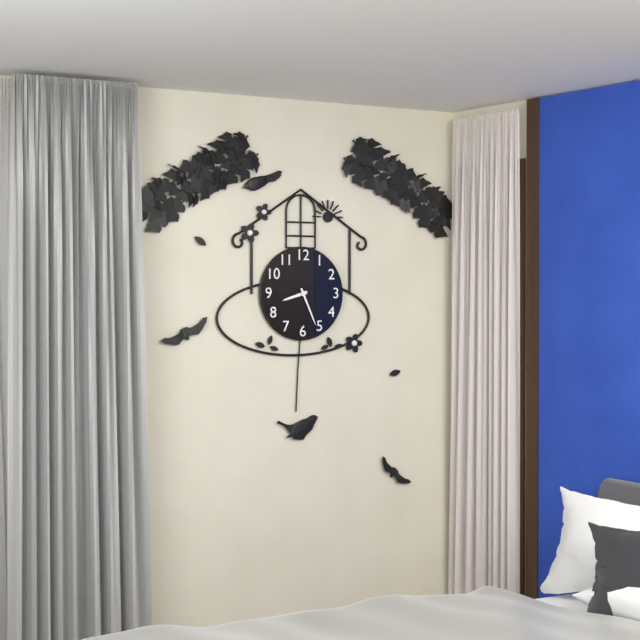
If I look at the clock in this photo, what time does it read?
8:26
